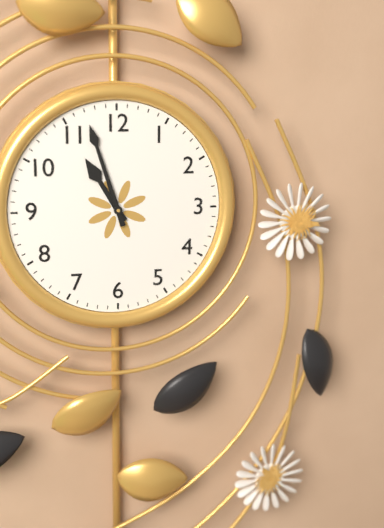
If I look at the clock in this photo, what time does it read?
10:57
